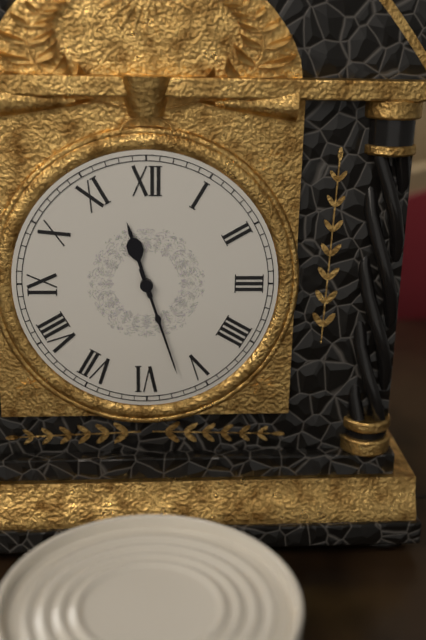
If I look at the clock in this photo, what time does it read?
11:27
